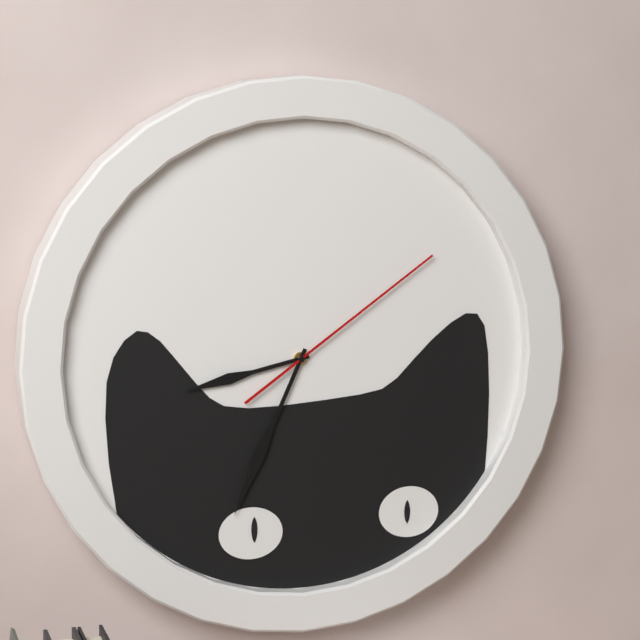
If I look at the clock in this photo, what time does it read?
8:34:09
